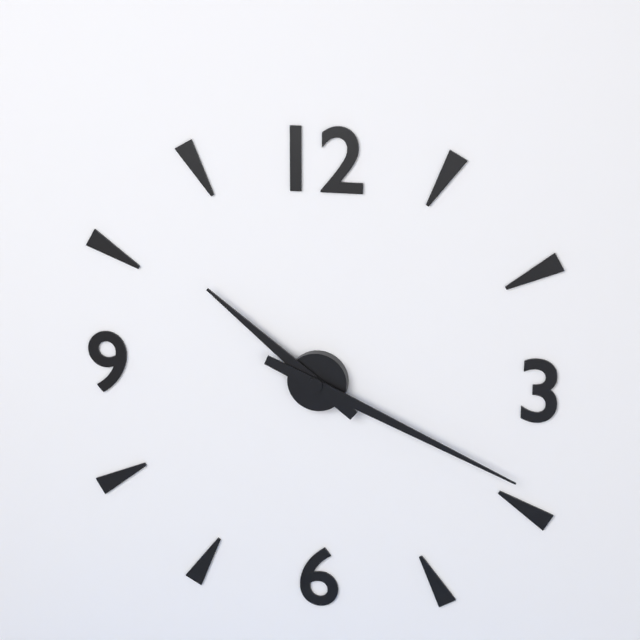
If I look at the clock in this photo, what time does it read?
10:19
